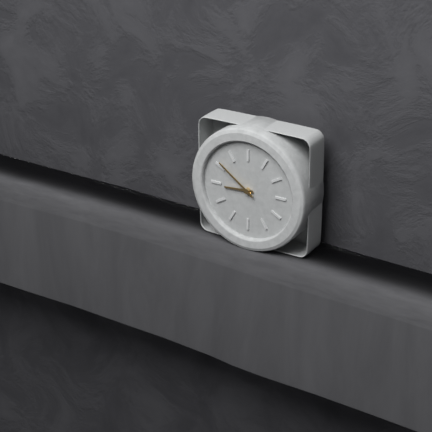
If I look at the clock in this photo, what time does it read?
8:51
